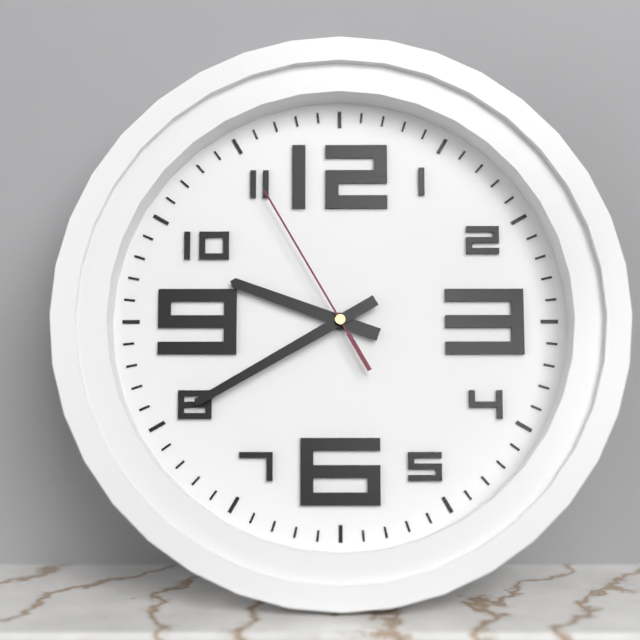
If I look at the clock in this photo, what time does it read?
9:40:55
